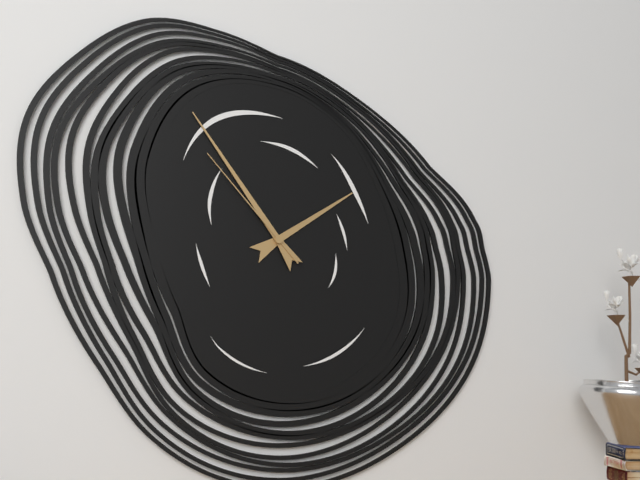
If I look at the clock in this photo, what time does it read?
1:54:53
